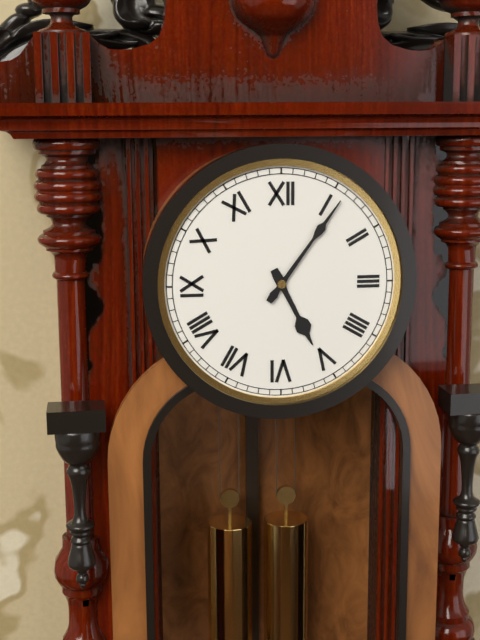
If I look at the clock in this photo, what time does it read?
5:06
